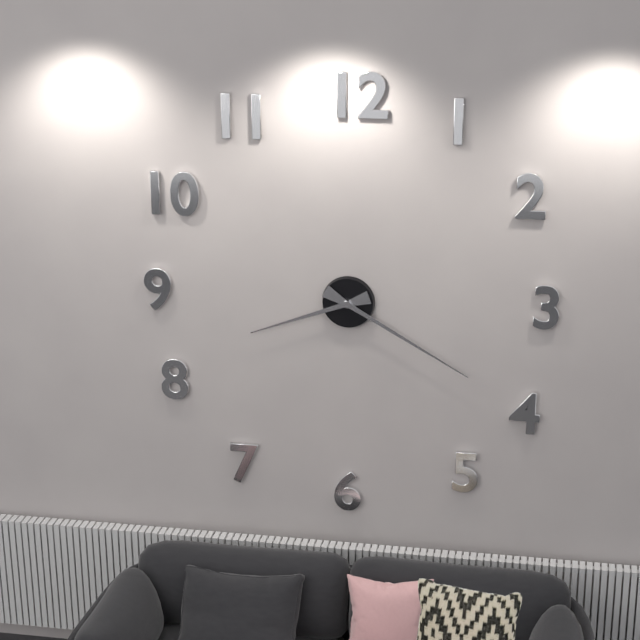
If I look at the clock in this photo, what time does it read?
8:20
